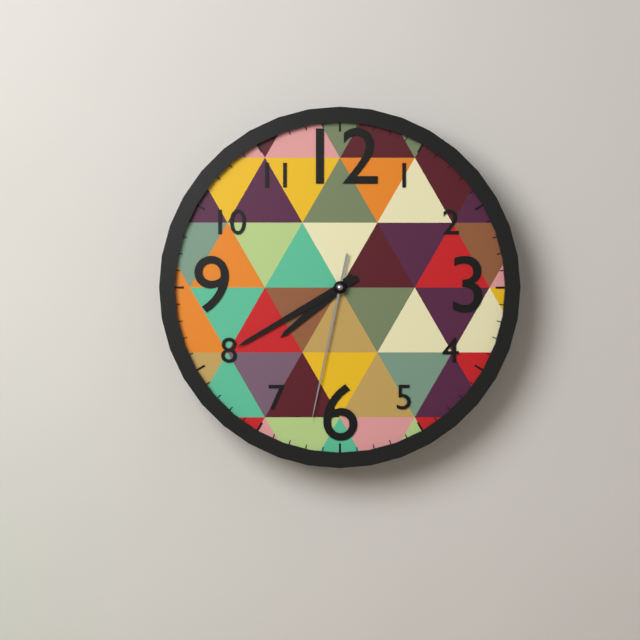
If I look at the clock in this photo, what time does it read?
7:40:32
